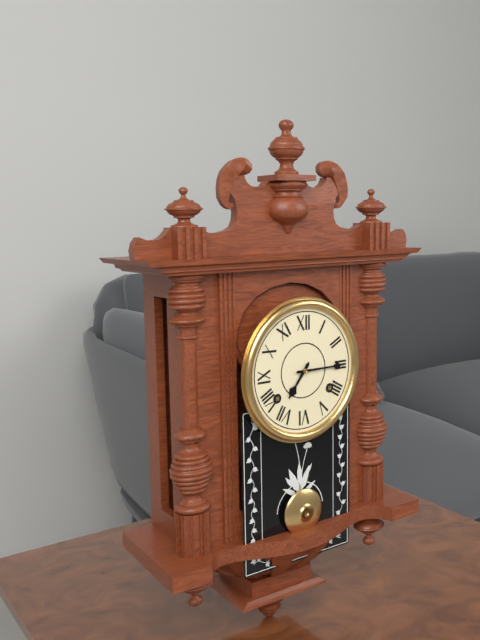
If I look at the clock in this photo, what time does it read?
7:15
